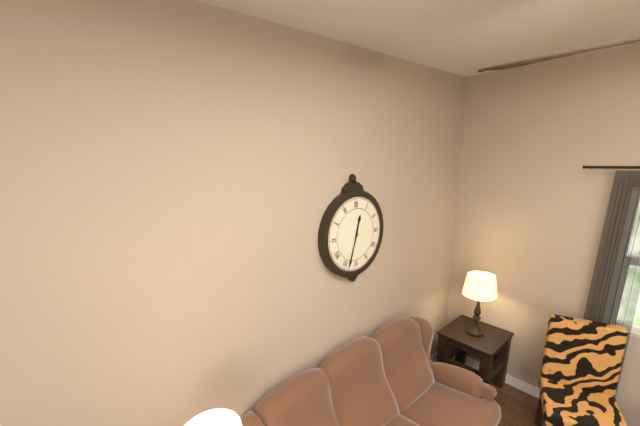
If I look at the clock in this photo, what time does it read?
12:33
